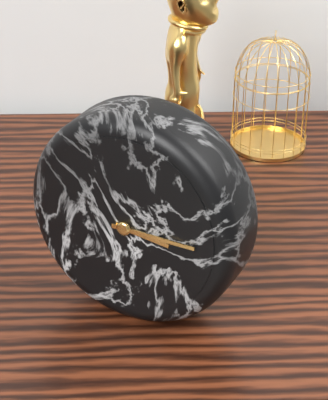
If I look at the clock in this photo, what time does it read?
3:15
